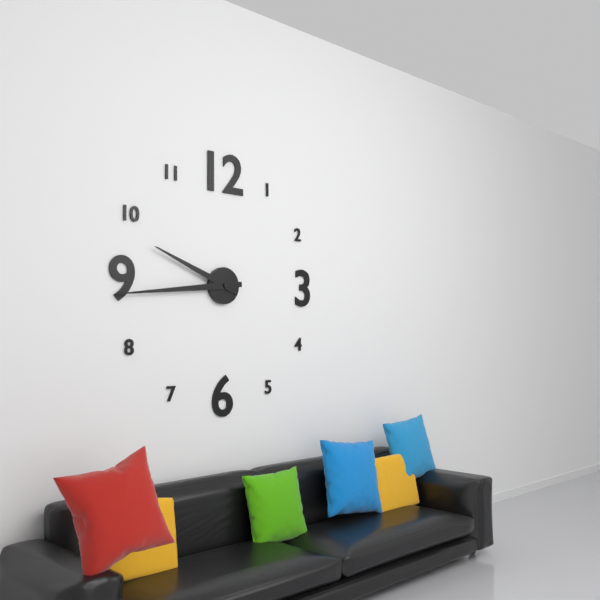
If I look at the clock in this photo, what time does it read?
9:44
